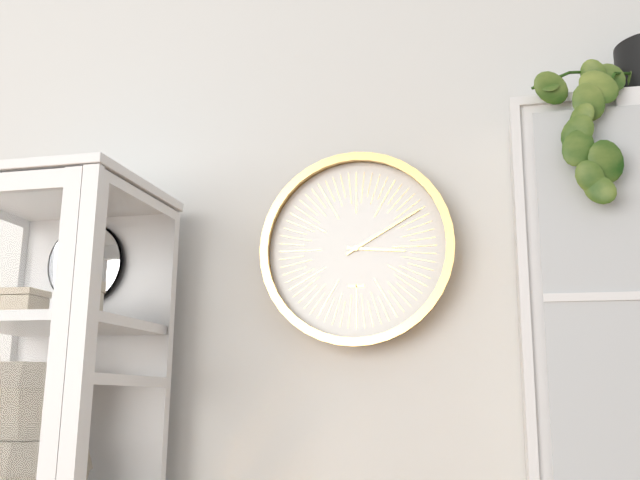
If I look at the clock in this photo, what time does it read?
3:10
